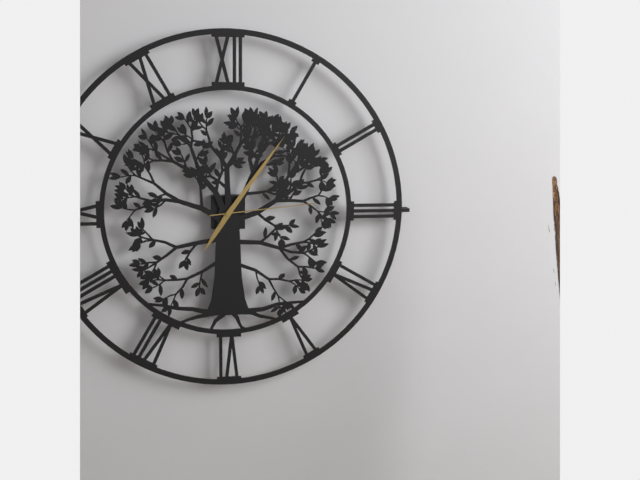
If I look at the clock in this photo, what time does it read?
7:06:14
